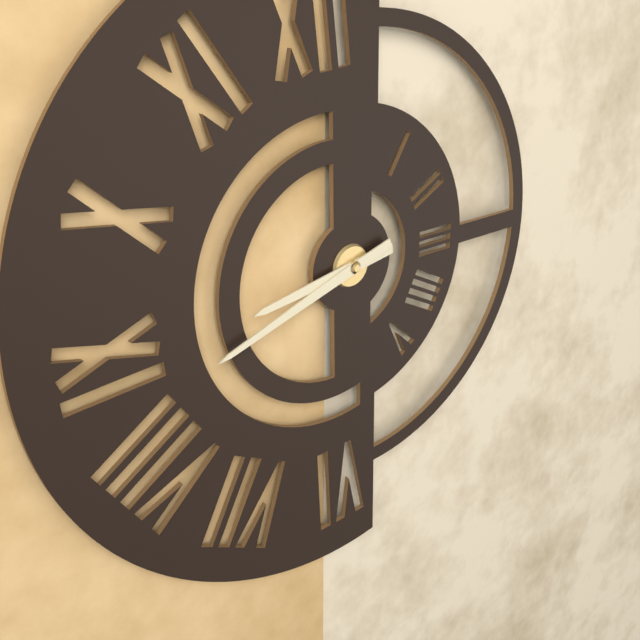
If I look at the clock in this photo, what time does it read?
8:42
